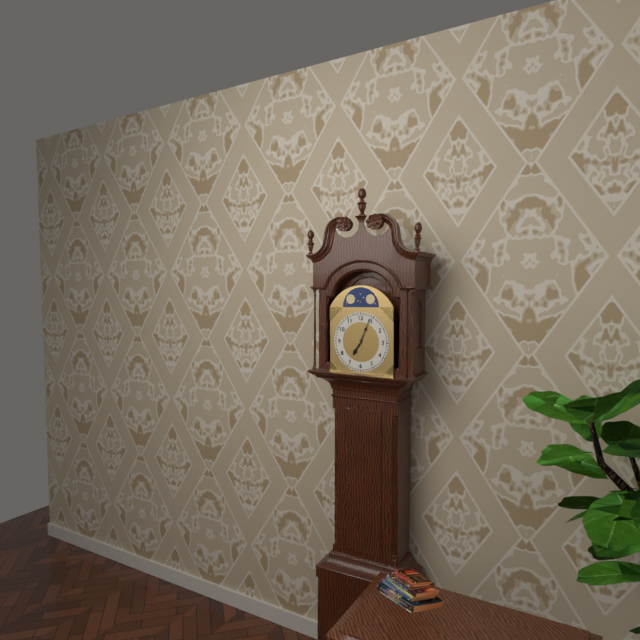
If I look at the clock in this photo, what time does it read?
7:04
